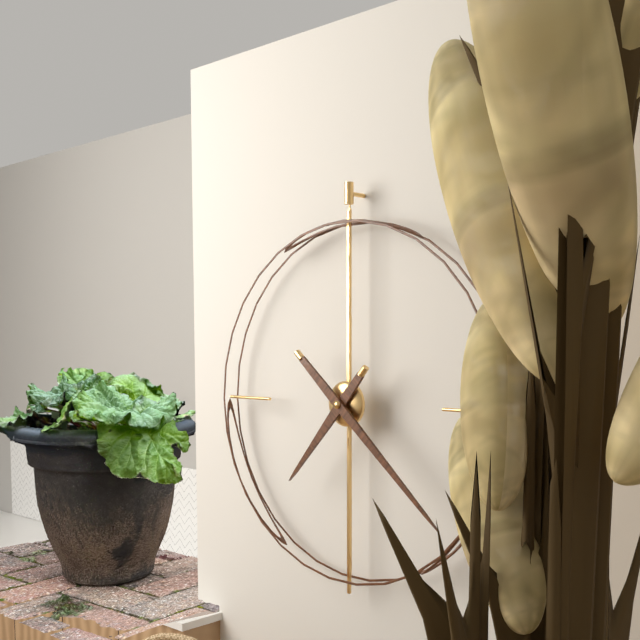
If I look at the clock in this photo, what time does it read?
7:22
